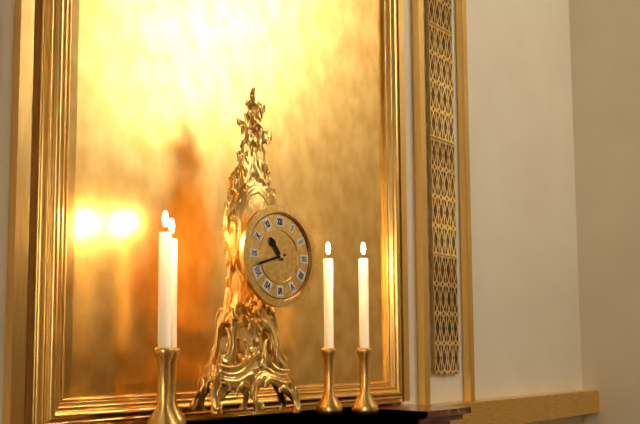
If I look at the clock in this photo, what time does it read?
10:42
